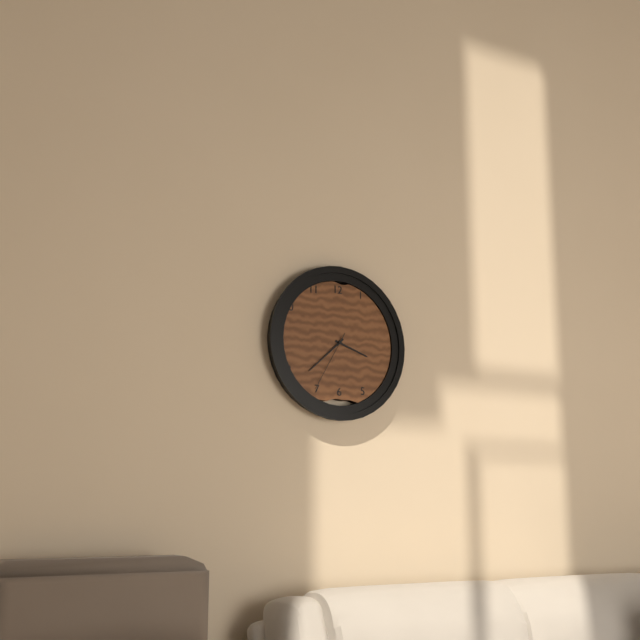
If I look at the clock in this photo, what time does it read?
3:38:35
